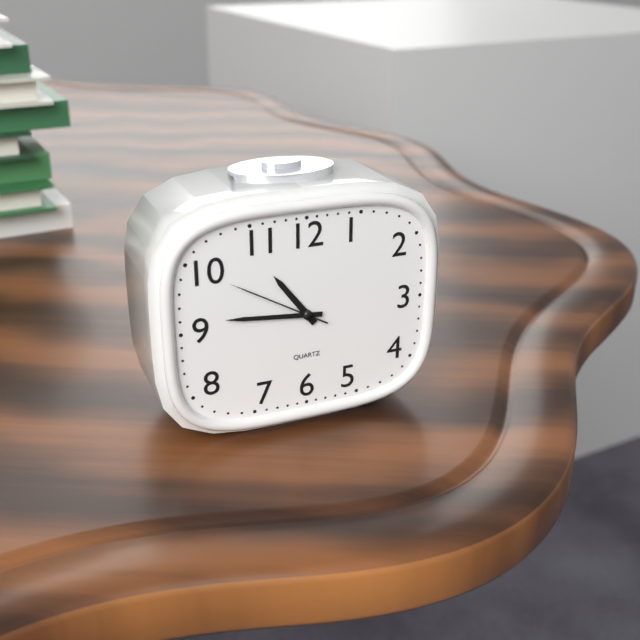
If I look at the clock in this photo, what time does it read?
10:46:50
